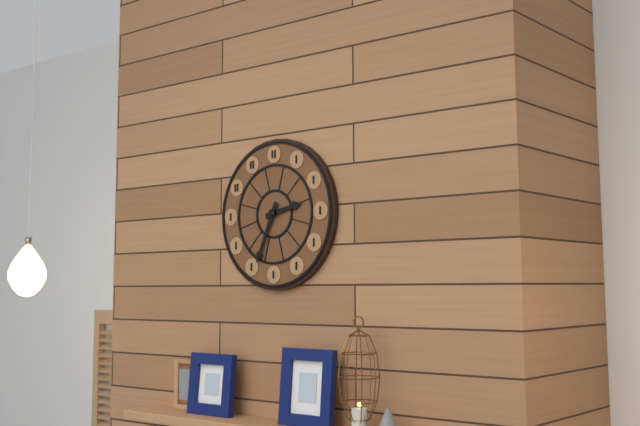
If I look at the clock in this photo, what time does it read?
2:34
